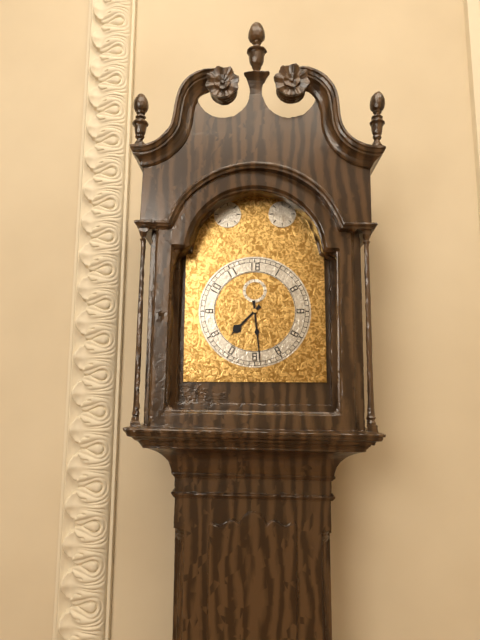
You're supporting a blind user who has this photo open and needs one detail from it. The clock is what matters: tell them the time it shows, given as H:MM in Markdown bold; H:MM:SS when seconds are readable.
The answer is **7:29**
